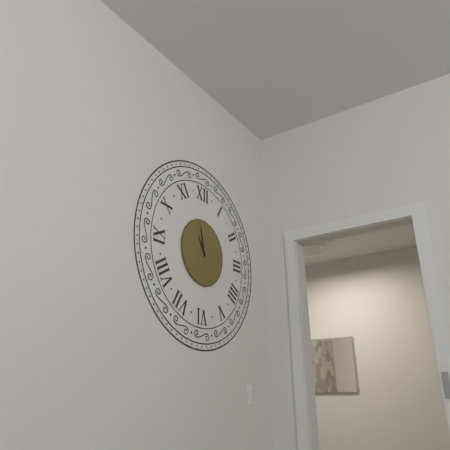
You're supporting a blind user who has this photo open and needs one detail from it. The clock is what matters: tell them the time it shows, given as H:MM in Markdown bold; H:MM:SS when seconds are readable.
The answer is **10:58**
